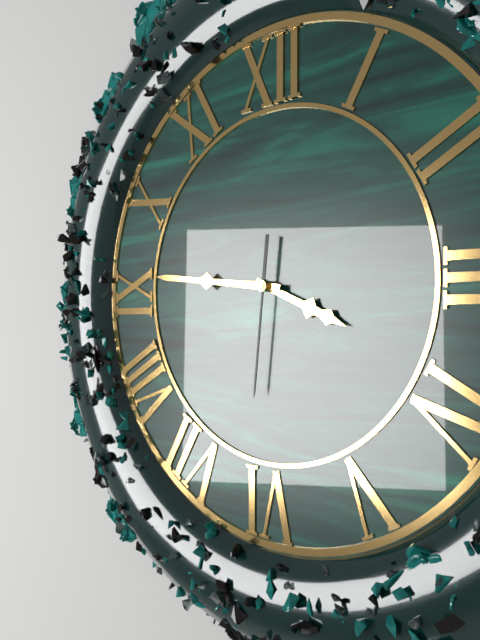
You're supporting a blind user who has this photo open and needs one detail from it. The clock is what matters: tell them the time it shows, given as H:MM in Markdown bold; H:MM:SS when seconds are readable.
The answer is **3:46:31**
